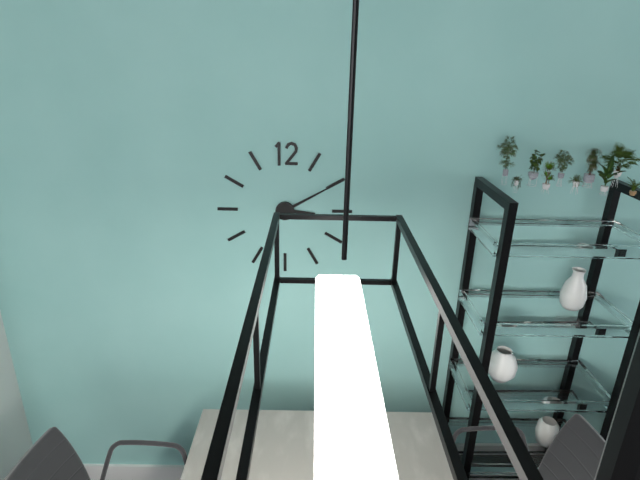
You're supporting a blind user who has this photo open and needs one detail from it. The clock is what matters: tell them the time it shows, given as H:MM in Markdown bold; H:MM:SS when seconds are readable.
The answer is **3:10**
